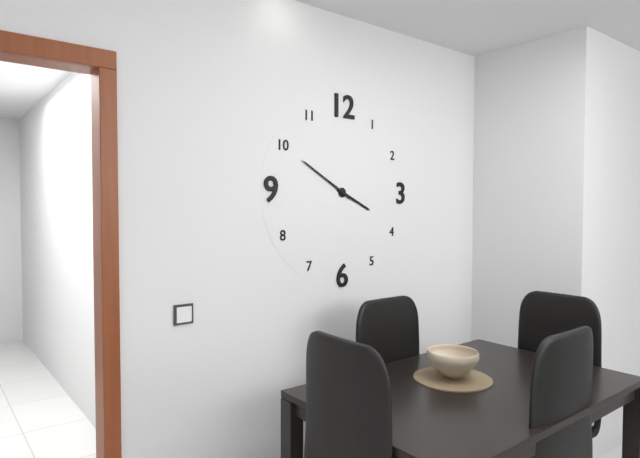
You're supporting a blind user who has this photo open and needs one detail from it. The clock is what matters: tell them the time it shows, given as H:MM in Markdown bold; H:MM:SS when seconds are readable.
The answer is **3:50**
